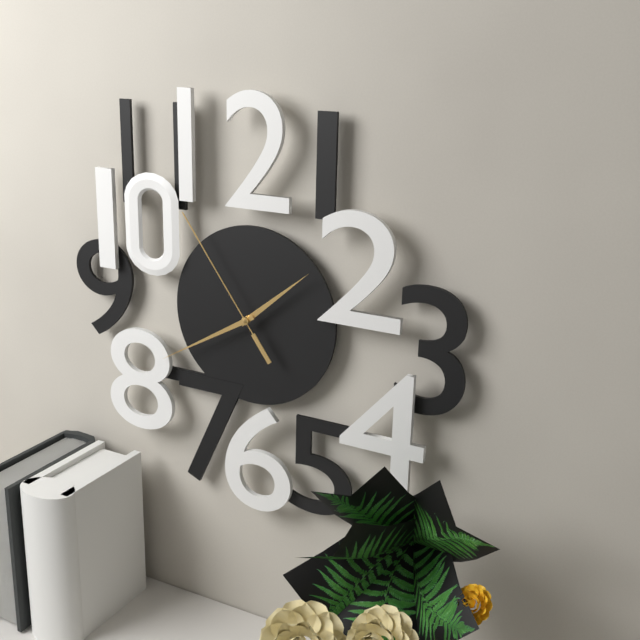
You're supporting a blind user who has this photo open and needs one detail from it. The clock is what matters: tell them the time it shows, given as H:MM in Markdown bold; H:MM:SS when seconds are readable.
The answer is **1:40:54**
